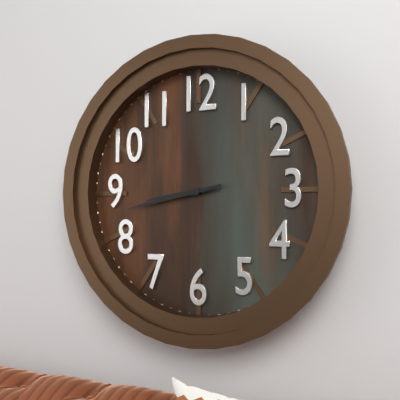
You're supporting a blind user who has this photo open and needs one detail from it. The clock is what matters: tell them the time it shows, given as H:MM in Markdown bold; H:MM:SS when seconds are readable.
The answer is **8:43**
